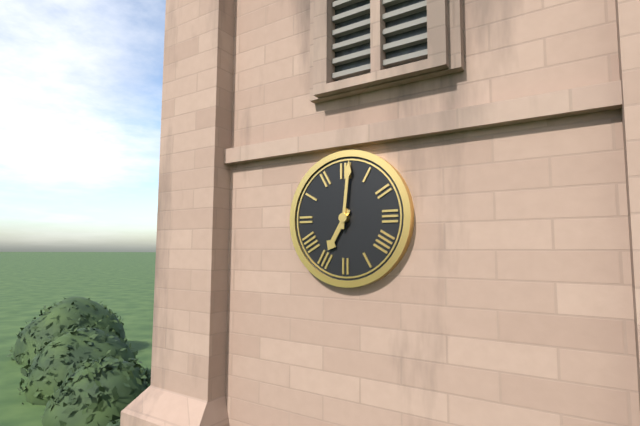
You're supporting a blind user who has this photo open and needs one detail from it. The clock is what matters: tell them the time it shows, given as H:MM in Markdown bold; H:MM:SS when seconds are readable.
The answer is **7:01**
